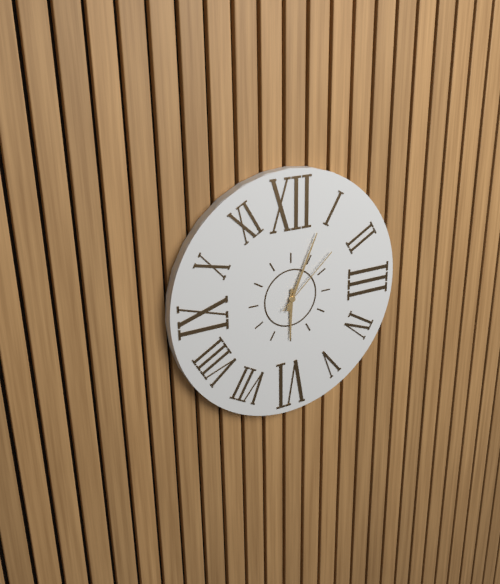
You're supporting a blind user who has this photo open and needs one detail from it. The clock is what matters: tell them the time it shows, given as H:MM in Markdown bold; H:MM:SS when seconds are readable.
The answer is **6:04:08**
